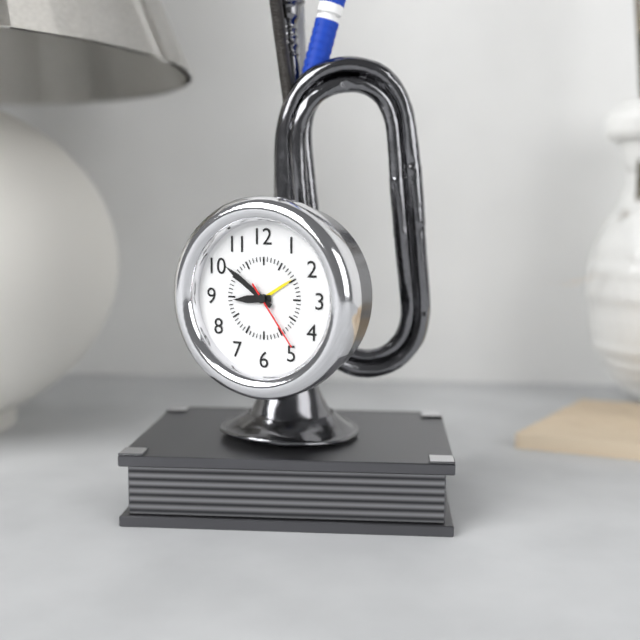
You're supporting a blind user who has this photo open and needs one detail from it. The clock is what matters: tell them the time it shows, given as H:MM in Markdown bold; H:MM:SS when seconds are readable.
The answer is **8:51:24**
